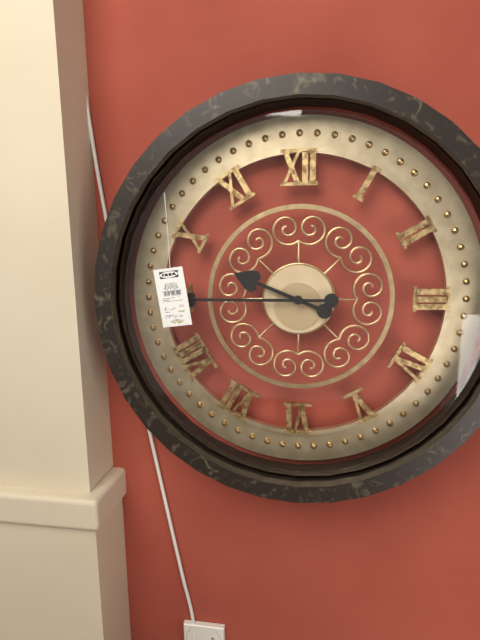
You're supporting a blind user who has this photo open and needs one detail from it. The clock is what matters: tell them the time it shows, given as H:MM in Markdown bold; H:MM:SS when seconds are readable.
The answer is **9:45**
